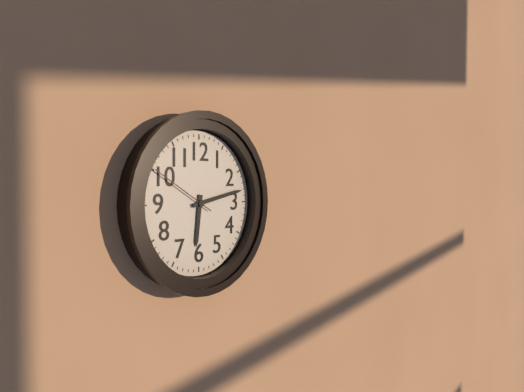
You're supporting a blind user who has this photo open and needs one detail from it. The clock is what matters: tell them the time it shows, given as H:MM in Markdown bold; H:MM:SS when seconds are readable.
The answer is **6:13:50**
